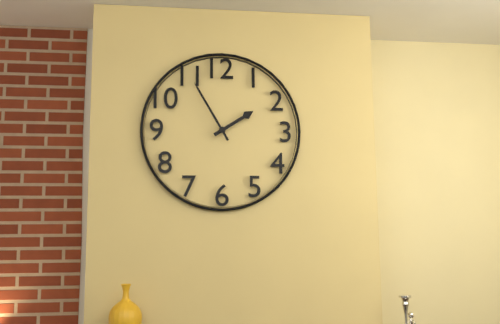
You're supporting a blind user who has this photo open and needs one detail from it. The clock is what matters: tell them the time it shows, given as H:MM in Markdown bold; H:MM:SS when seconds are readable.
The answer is **1:55**
